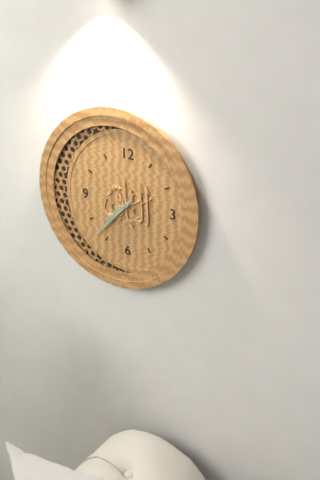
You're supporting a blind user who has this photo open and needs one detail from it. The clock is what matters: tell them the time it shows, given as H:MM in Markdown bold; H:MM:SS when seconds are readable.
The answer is **7:37**
